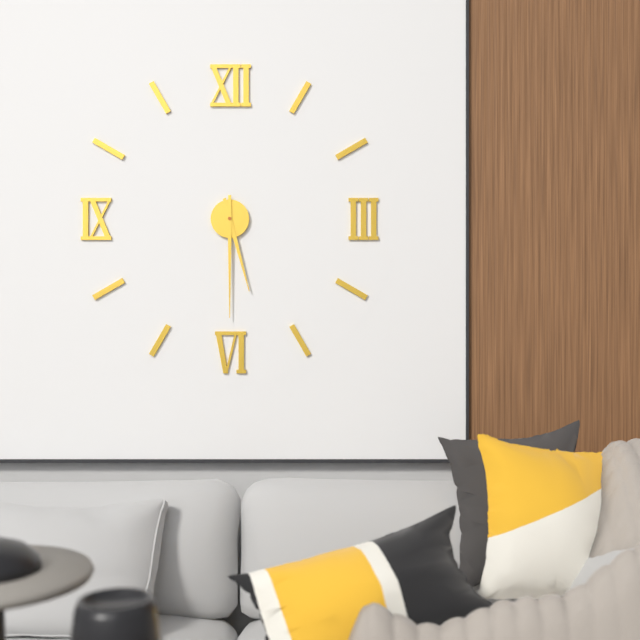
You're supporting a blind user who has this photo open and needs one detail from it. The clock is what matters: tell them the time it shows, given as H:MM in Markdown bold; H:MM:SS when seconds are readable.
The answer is **5:30**
